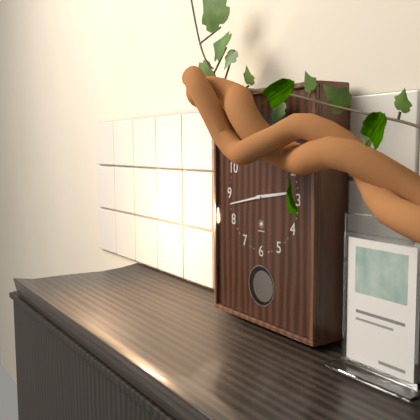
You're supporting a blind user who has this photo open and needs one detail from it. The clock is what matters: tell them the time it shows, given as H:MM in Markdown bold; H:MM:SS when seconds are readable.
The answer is **2:43**
